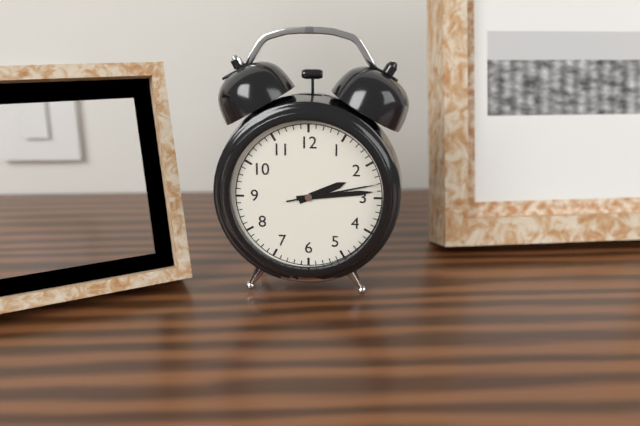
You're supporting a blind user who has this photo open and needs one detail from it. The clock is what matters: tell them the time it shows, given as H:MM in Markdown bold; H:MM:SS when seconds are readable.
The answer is **2:14:13**
